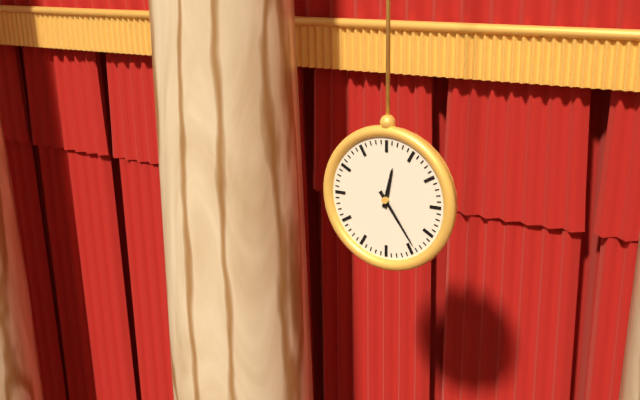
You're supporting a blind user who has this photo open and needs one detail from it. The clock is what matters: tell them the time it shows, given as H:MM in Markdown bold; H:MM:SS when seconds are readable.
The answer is **12:24**
